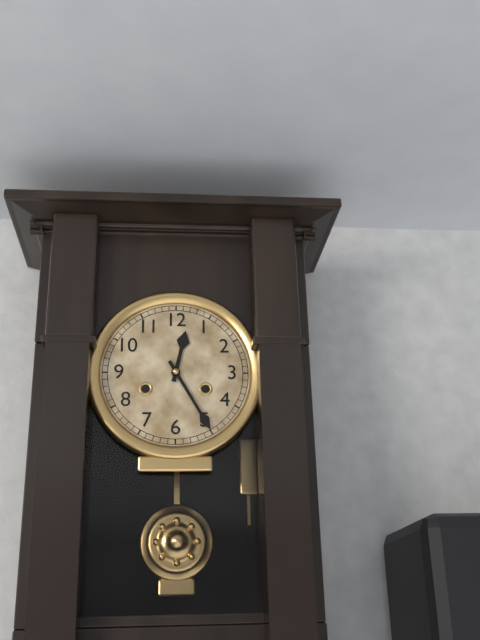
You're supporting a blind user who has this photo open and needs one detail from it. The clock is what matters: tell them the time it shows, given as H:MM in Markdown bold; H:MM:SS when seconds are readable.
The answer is **12:25**
